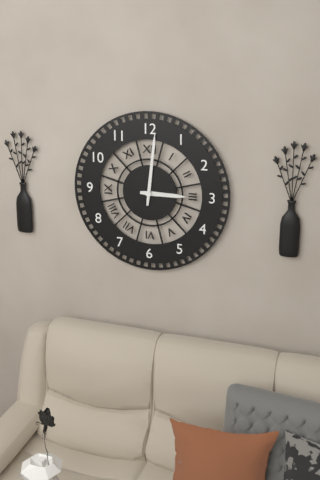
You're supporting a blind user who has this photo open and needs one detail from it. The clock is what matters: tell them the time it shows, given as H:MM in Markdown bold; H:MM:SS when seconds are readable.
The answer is **3:01**
